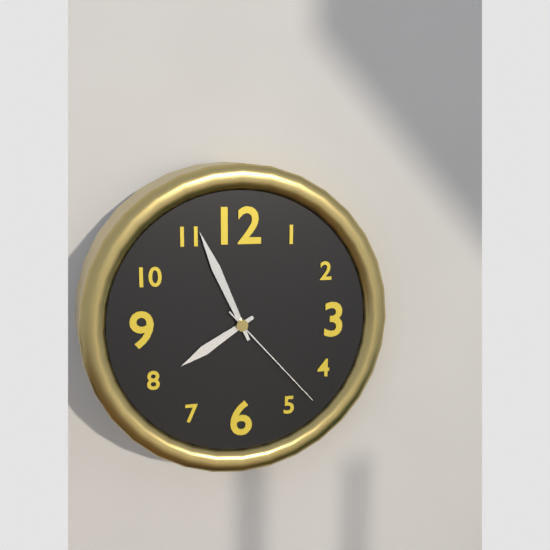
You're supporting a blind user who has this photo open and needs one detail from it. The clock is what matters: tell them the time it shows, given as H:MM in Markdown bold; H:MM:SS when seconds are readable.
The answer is **7:56:23**
